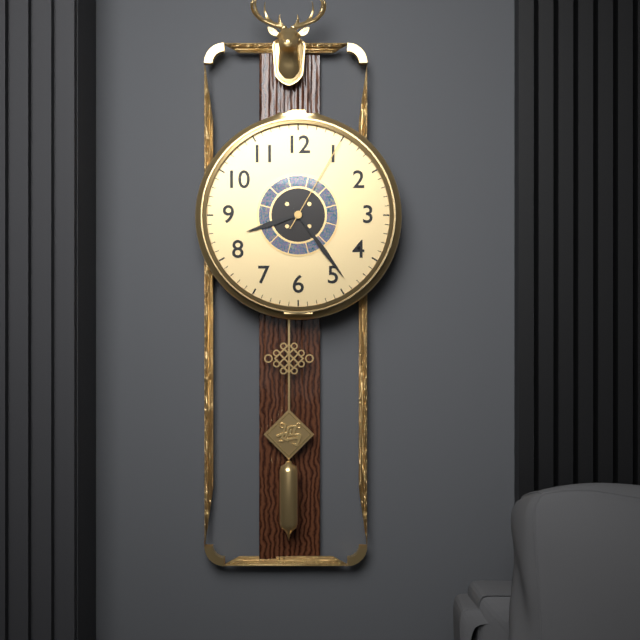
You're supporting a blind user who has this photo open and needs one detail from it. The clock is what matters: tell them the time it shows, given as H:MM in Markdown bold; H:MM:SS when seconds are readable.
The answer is **8:24:05**
